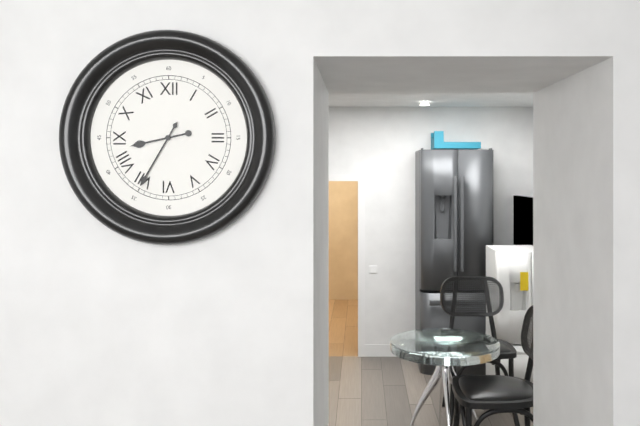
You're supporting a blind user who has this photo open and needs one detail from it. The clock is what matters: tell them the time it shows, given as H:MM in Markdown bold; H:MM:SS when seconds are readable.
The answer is **8:35**
